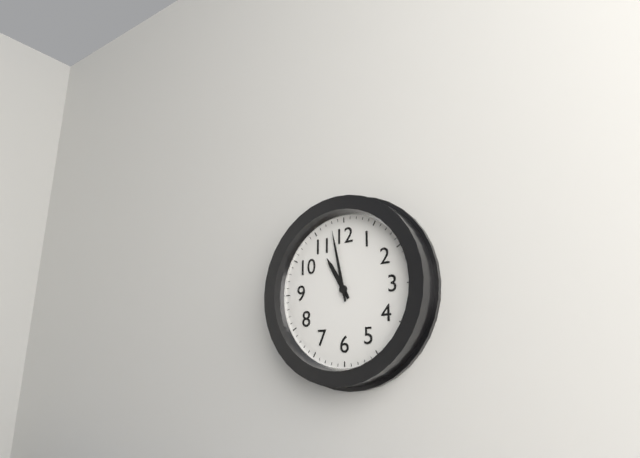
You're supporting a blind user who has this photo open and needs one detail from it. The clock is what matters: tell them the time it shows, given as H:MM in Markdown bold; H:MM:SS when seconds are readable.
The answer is **10:58**
